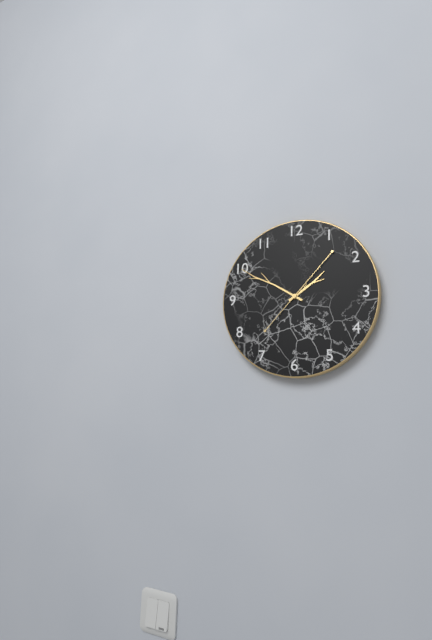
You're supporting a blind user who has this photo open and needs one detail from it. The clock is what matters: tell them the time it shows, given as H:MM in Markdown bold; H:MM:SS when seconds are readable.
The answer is **1:50:07**
